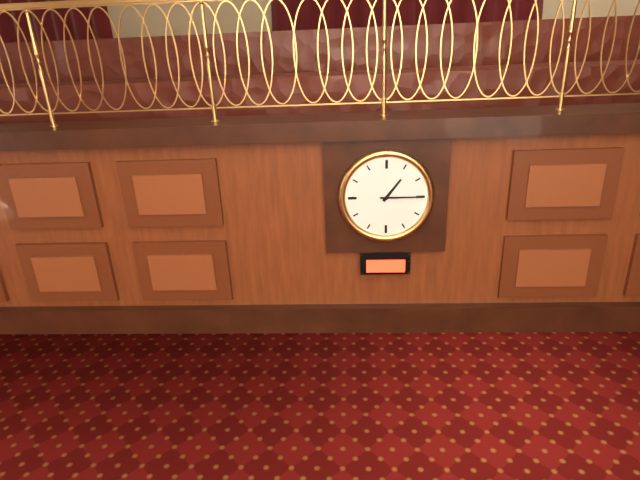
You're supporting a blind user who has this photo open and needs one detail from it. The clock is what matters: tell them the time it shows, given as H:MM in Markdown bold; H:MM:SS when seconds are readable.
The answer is **1:15**
